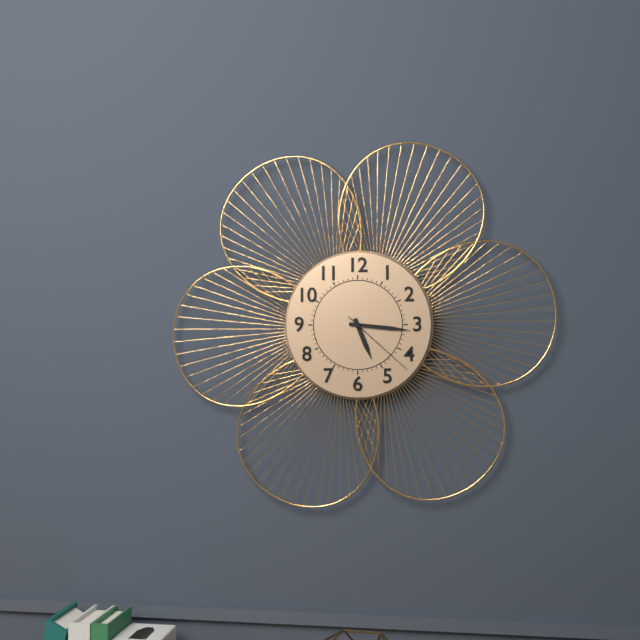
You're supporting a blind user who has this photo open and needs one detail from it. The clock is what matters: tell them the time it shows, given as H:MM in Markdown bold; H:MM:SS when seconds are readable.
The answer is **5:16:22**
